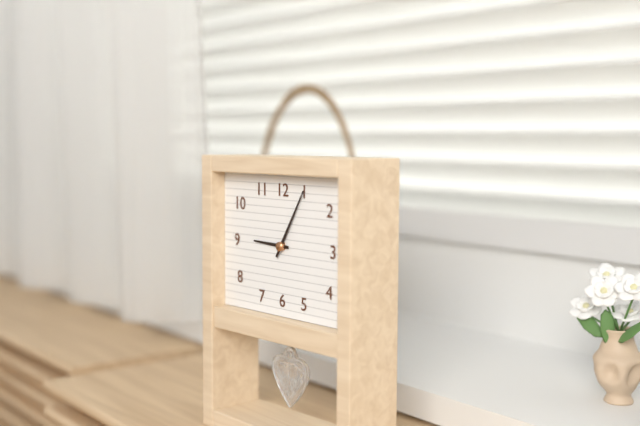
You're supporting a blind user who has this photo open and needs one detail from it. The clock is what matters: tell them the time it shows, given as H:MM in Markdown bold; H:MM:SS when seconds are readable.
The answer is **9:05**
